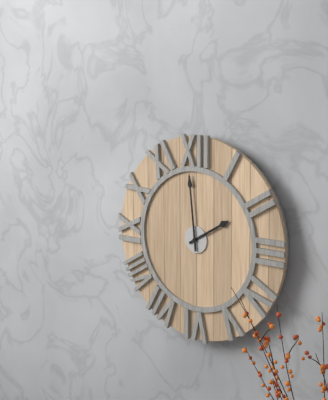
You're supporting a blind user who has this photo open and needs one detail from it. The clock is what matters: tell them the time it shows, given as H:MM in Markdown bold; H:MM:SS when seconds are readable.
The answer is **1:59**
